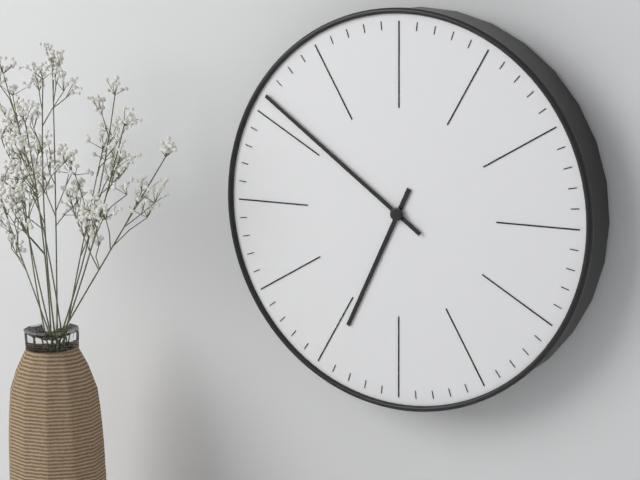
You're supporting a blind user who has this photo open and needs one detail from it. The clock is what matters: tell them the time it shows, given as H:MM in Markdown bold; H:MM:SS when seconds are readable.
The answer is **6:51**
